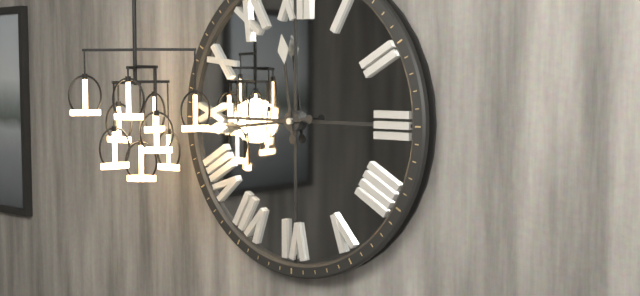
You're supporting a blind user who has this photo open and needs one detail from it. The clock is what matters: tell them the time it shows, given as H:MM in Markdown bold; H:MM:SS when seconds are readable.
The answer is **11:44**
